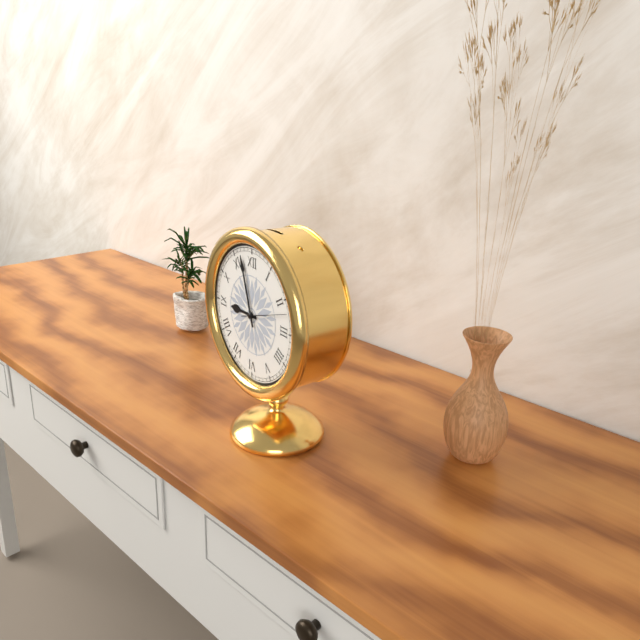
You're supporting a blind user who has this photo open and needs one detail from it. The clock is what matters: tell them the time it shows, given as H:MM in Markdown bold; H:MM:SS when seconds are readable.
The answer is **8:57**
